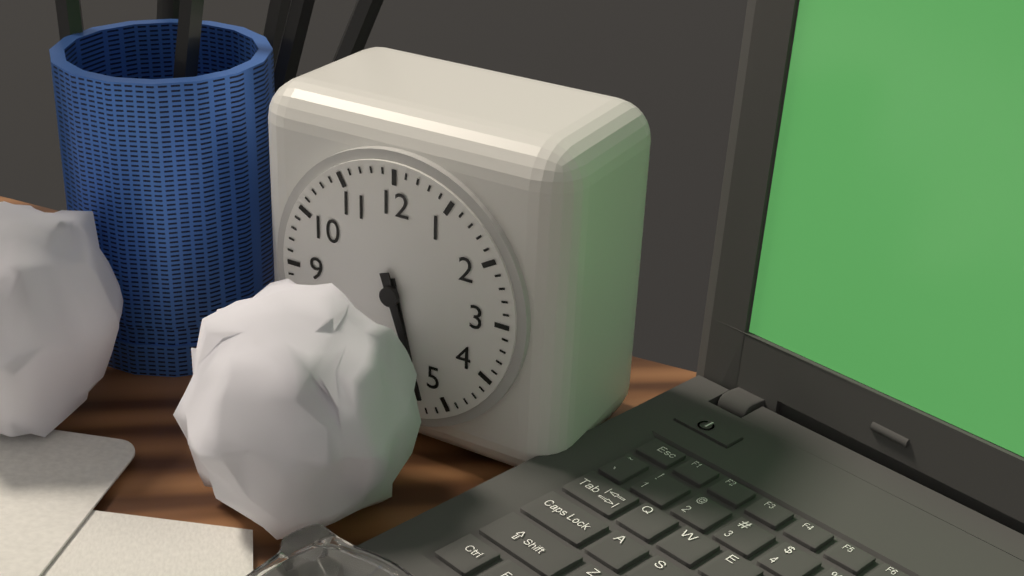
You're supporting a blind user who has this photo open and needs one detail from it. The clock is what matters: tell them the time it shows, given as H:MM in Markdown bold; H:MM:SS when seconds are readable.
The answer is **5:27**
